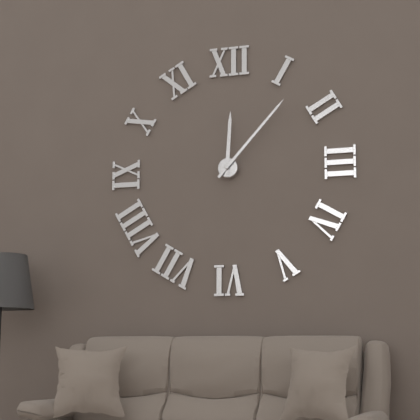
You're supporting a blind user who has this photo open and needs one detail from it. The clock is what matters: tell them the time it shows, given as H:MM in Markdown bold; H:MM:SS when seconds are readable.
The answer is **12:07**
